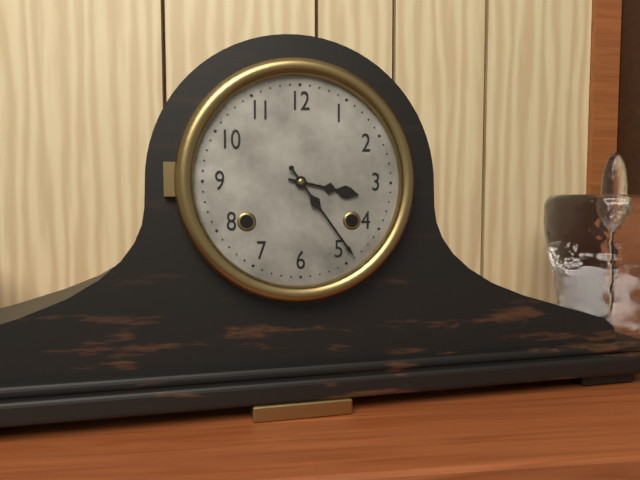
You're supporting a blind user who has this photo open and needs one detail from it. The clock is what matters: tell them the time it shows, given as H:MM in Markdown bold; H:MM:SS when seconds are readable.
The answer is **3:24**
